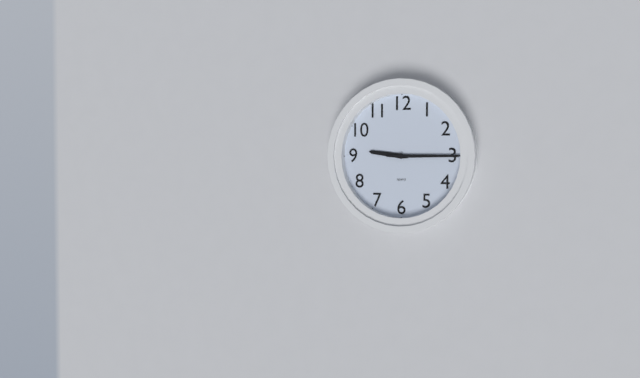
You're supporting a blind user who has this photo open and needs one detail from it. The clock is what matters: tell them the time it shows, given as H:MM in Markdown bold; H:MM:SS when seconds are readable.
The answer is **9:15**
